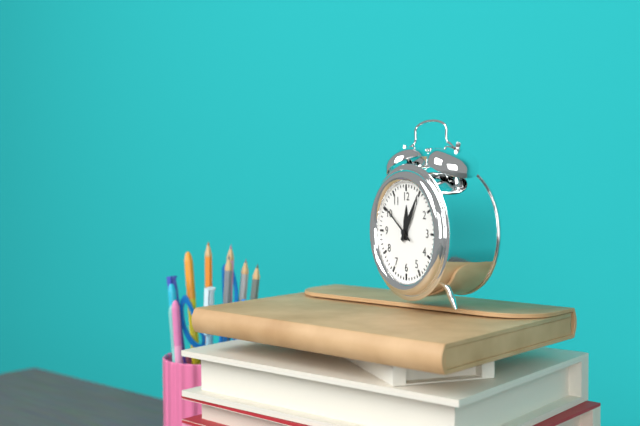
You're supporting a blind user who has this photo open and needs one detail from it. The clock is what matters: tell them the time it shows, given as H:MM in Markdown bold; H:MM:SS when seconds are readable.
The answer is **12:05**
